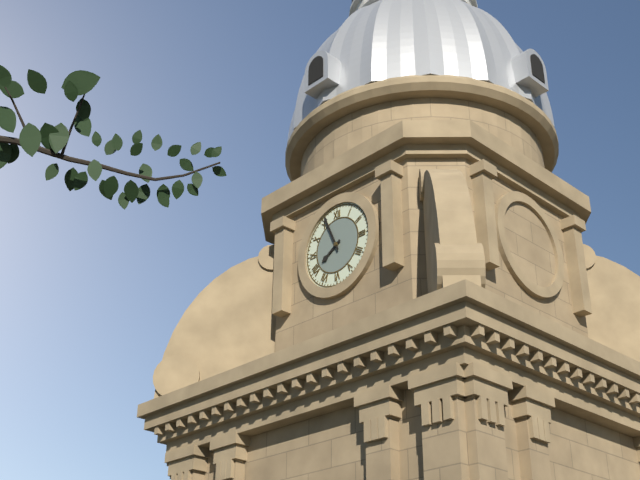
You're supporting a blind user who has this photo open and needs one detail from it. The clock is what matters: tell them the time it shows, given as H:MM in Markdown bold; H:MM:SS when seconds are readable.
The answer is **7:56**
